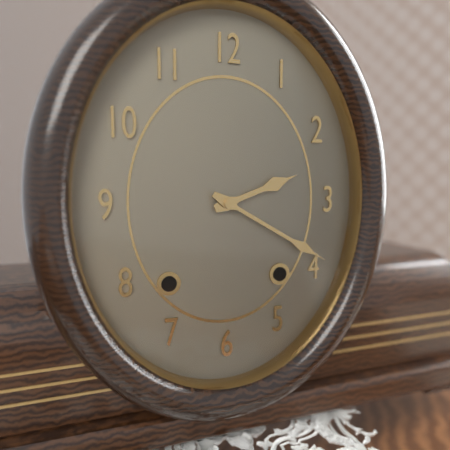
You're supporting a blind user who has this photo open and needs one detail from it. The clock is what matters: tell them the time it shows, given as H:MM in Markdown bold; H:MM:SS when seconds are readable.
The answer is **2:20**
